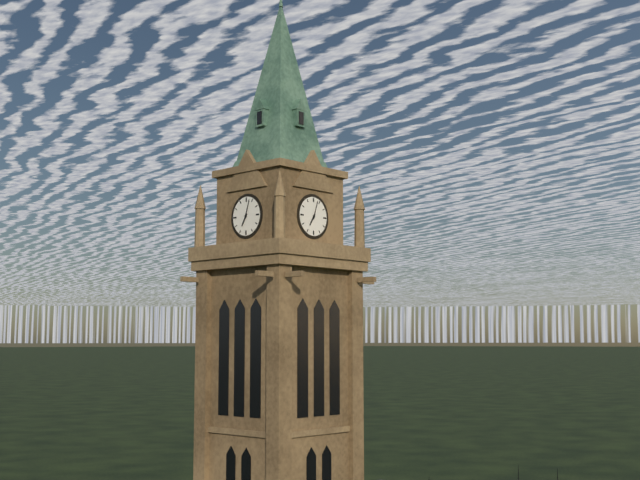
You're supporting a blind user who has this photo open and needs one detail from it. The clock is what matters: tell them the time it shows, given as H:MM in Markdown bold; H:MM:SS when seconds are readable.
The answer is **7:03**
